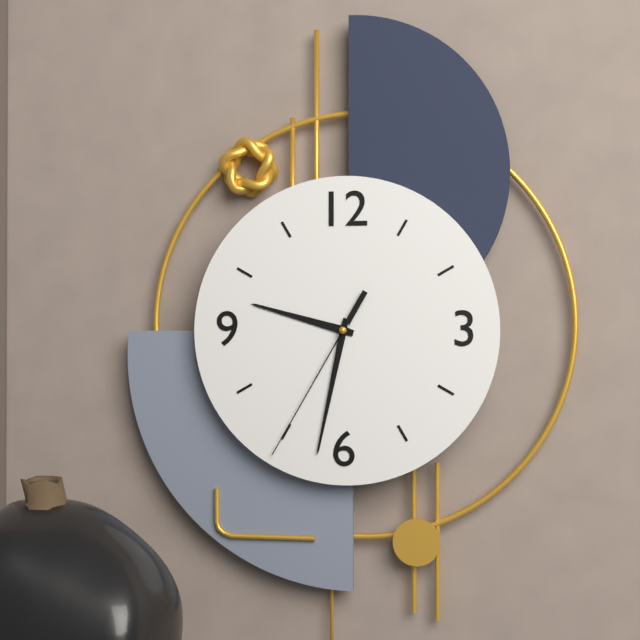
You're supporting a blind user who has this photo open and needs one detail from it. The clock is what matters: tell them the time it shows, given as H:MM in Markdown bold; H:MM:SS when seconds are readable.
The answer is **9:32:35**
